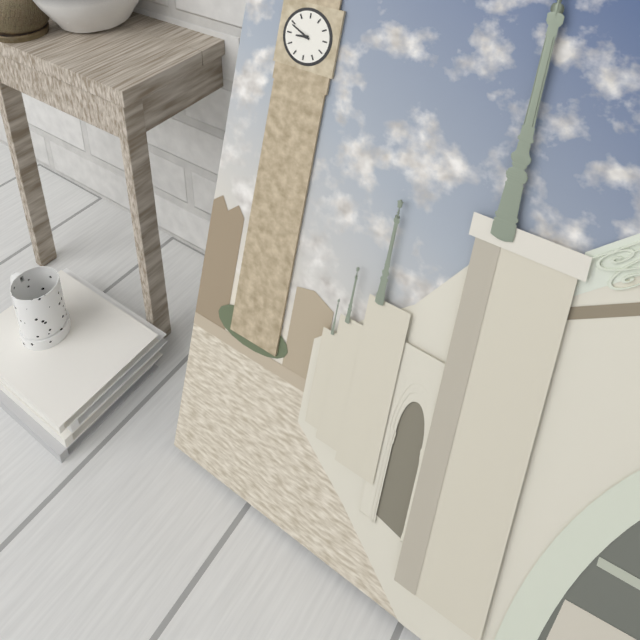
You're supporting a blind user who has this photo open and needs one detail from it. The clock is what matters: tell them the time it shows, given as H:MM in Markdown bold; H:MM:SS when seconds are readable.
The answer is **8:49**
